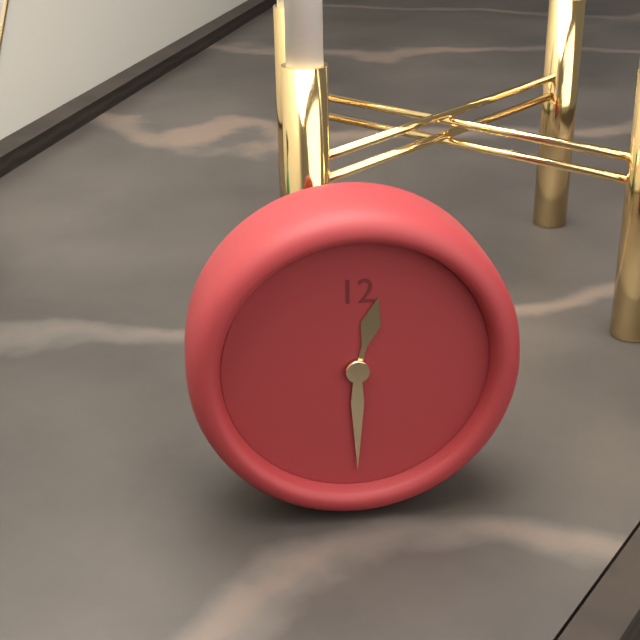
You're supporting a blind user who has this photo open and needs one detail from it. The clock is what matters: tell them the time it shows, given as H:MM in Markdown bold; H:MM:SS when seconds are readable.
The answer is **12:30**
